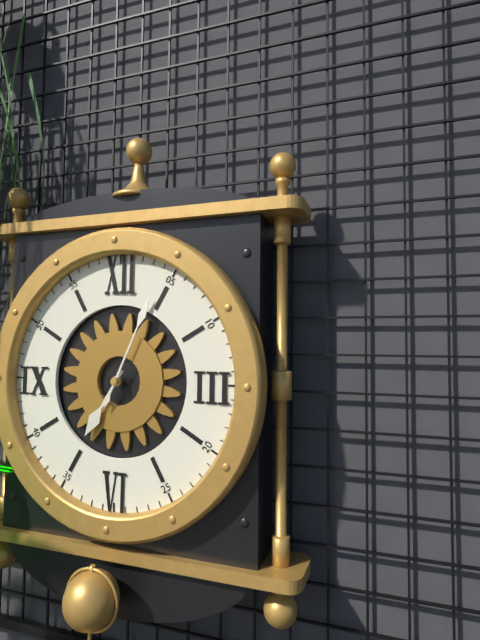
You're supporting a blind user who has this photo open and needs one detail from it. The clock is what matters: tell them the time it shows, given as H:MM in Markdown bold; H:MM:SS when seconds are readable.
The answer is **7:04**
